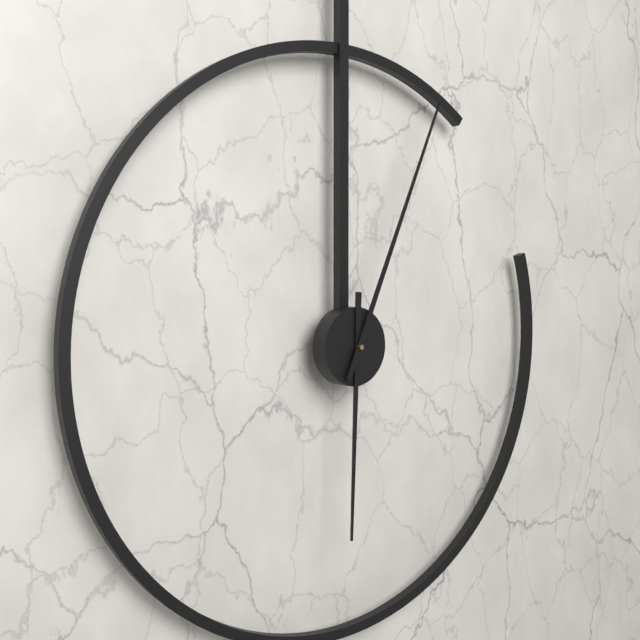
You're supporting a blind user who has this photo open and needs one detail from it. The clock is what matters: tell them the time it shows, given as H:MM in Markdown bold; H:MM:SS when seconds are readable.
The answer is **6:04**
